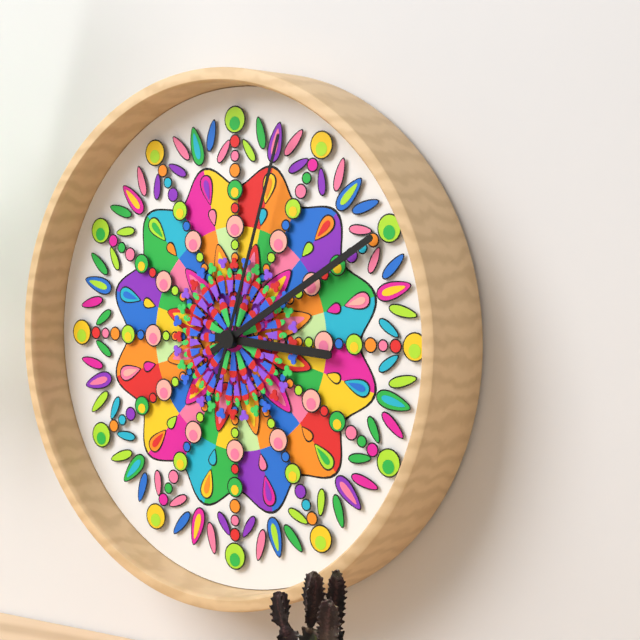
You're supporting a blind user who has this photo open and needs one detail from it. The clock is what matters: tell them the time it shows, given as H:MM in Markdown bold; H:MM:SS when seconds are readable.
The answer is **3:10:03**
